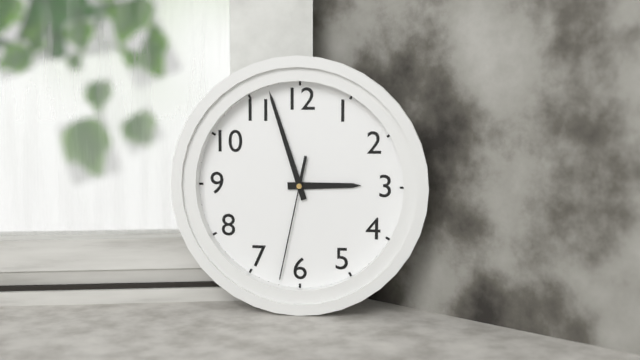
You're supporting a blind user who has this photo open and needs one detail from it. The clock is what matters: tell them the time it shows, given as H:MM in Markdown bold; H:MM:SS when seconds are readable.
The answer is **2:57:32**
